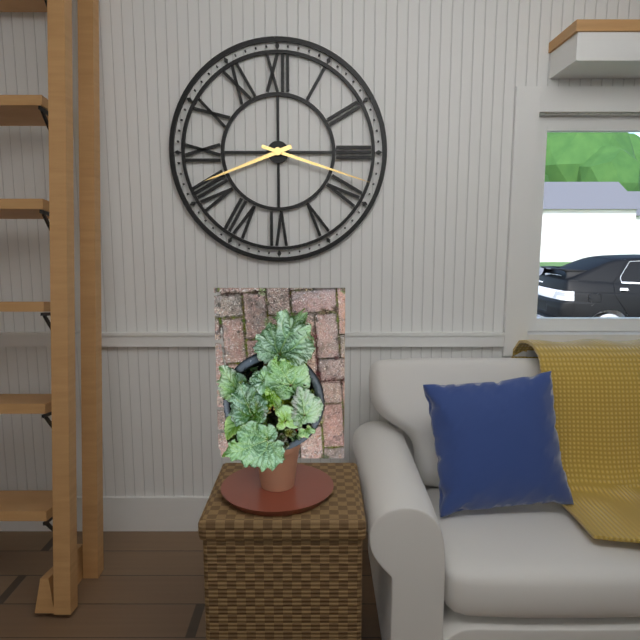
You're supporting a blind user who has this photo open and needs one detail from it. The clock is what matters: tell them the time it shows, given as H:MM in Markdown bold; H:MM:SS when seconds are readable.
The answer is **8:18**
